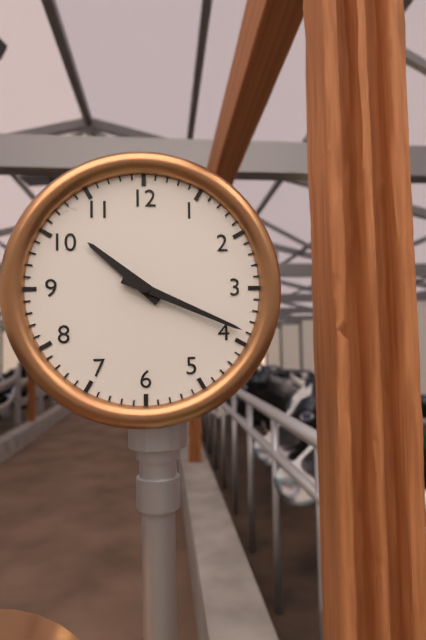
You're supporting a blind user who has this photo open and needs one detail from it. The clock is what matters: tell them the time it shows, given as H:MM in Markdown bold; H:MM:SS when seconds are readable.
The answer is **10:19**
